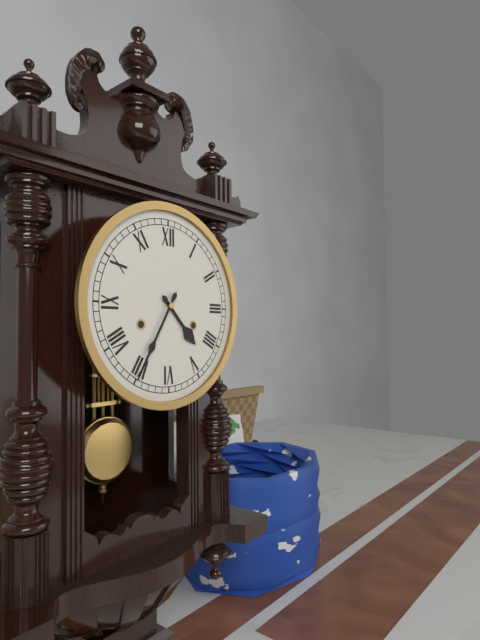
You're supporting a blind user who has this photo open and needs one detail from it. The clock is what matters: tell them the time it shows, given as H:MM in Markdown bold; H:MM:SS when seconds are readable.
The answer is **4:35**
